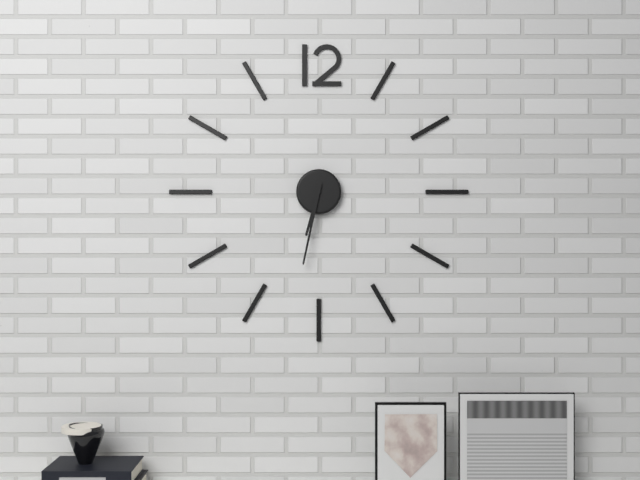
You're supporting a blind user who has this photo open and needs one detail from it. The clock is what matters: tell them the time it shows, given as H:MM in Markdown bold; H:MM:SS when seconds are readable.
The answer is **6:32**
